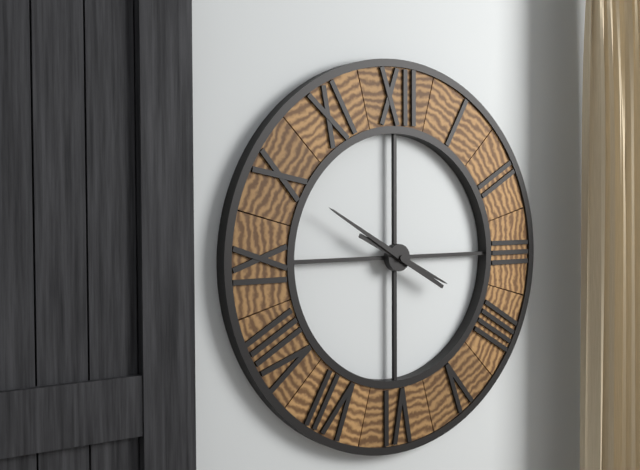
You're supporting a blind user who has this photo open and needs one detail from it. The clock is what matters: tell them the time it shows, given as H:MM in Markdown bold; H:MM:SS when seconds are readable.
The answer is **3:50**
